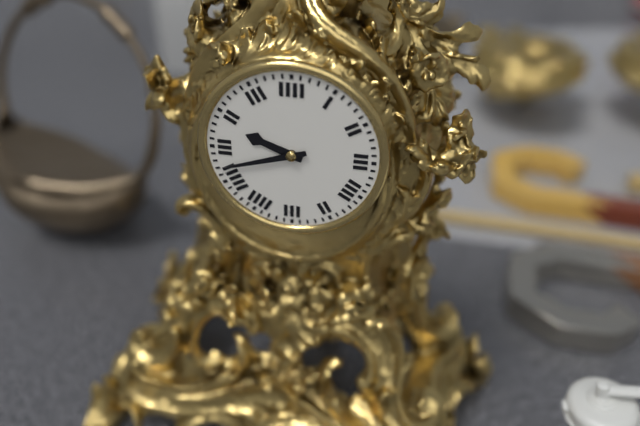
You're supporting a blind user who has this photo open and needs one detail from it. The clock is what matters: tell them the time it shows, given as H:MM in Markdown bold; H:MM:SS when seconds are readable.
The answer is **9:42**
